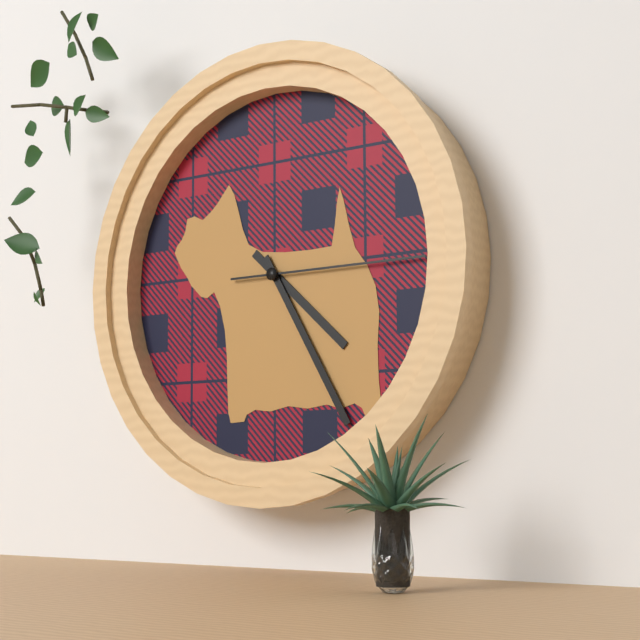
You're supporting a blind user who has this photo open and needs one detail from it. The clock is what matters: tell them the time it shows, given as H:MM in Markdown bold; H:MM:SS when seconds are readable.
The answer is **4:25:15**
